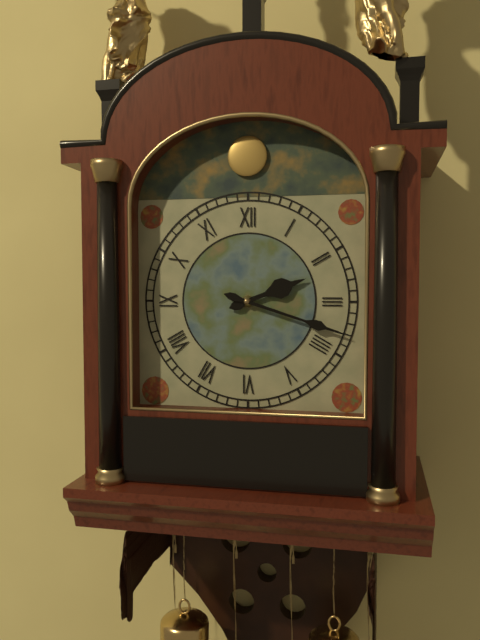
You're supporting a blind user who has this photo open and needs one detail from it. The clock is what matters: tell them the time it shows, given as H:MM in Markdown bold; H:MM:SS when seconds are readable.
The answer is **2:18**
